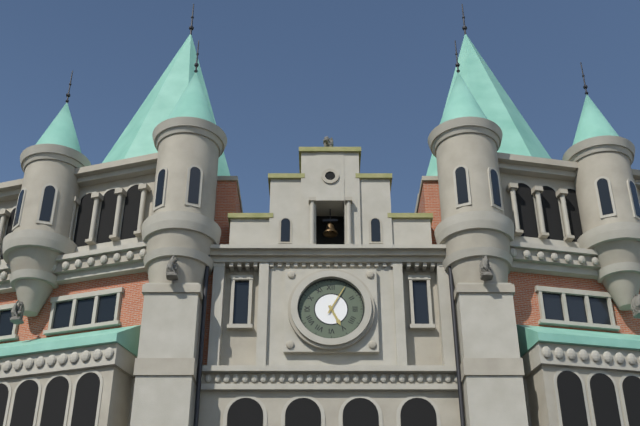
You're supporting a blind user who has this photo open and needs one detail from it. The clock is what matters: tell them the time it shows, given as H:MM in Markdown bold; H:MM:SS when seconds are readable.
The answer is **5:05**
